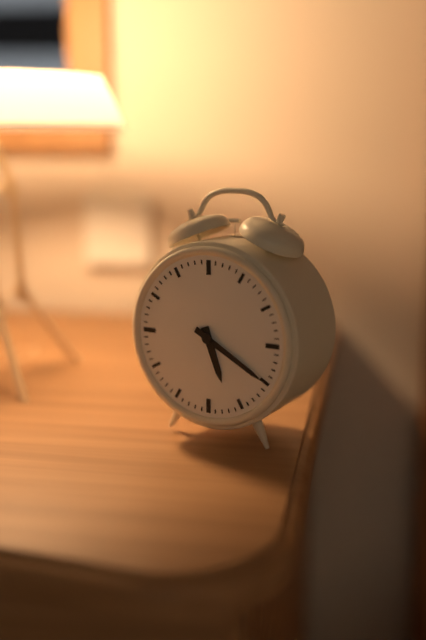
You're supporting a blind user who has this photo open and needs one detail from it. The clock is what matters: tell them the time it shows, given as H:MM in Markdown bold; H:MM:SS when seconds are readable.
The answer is **5:20**
